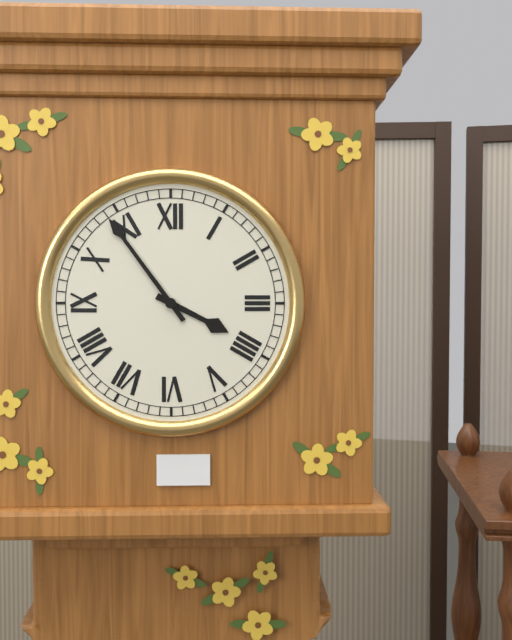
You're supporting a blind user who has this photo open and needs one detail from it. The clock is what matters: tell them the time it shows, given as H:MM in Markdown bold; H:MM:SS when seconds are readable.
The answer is **3:54**
